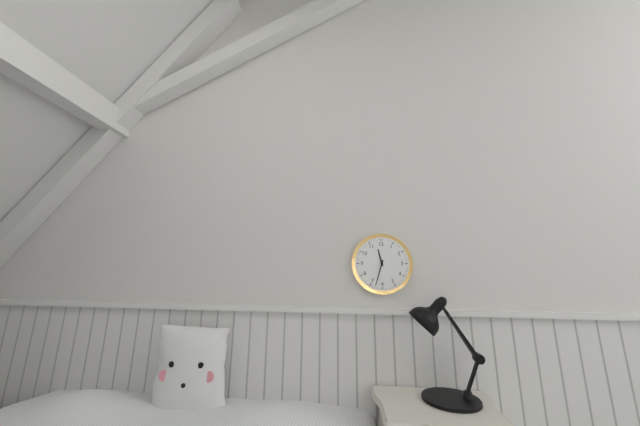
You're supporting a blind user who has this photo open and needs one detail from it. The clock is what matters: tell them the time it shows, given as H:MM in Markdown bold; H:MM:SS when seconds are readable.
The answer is **11:33**
